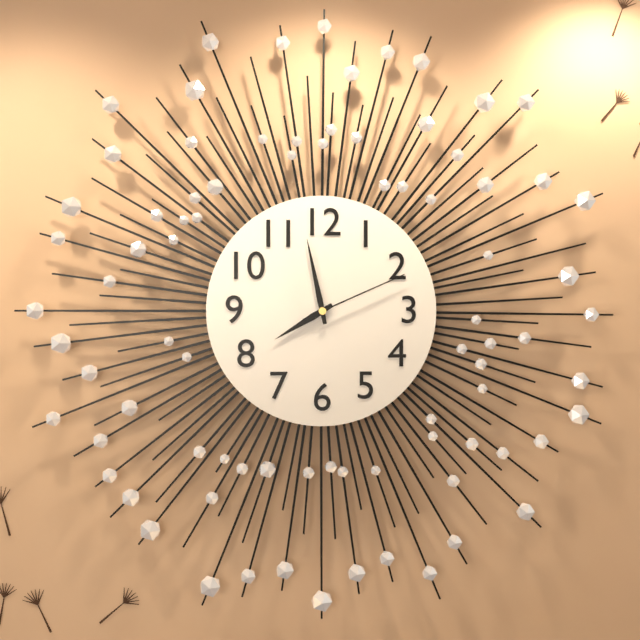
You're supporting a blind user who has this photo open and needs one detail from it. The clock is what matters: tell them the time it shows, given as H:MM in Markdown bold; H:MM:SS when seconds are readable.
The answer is **7:58:11**
